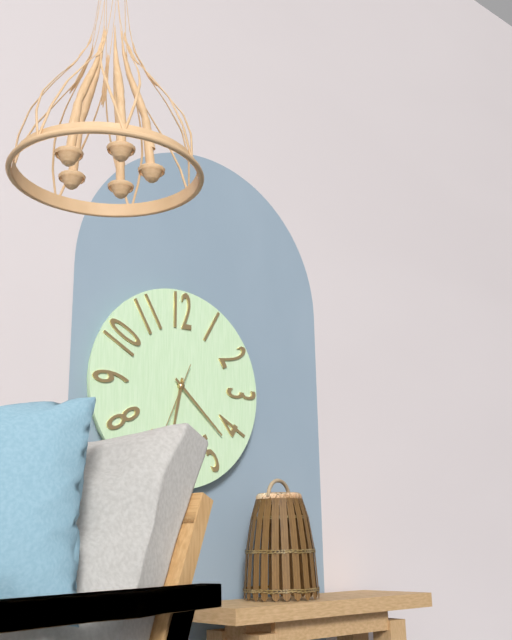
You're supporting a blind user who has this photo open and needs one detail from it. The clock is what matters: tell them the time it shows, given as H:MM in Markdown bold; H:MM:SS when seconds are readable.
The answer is **6:22:34**
